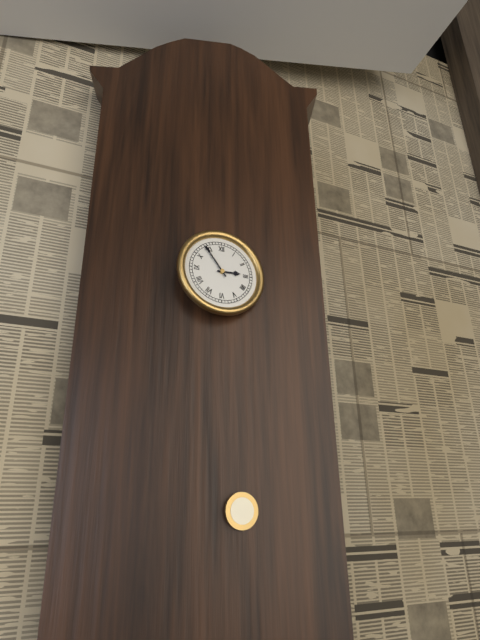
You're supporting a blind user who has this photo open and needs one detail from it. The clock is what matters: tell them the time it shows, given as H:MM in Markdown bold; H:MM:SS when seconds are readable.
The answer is **2:54**
